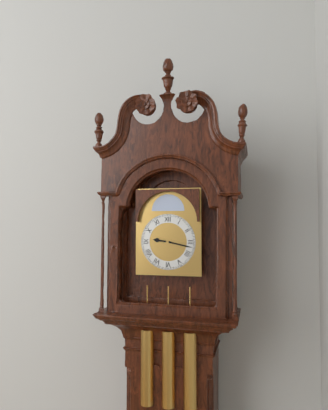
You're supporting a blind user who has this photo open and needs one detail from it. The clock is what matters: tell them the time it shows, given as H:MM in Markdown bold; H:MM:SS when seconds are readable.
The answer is **9:17**
